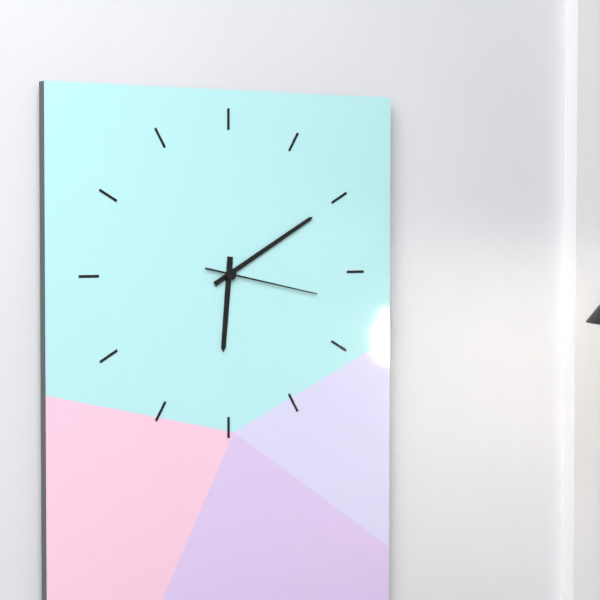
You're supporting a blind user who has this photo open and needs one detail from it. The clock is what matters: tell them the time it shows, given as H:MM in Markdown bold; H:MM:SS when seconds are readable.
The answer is **6:10:17**
